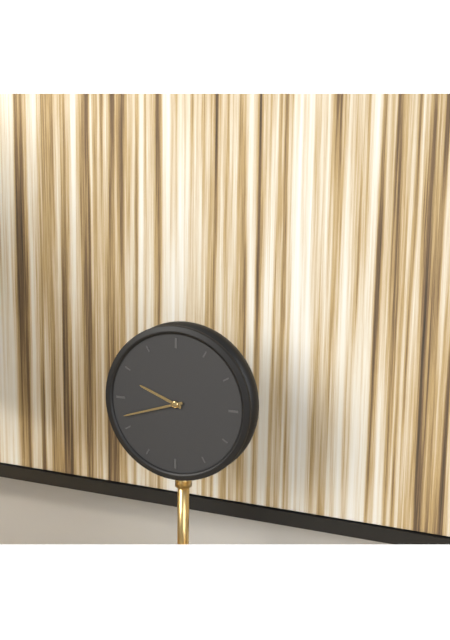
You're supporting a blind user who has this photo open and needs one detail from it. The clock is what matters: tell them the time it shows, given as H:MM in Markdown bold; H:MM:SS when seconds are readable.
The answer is **9:42**
